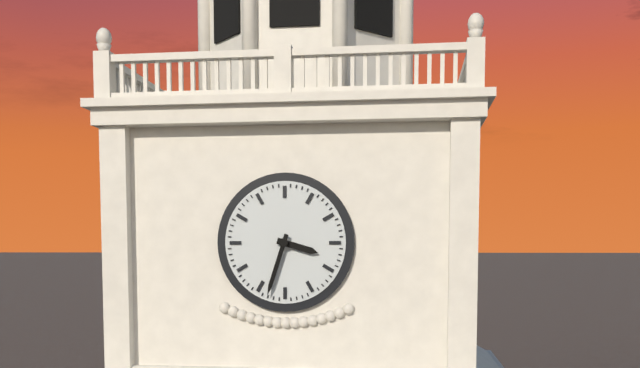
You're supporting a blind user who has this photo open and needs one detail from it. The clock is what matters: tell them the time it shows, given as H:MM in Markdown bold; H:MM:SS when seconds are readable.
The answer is **3:33**
